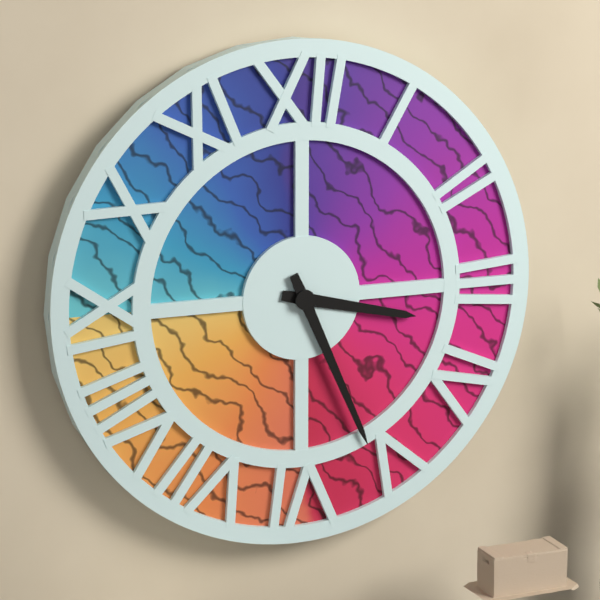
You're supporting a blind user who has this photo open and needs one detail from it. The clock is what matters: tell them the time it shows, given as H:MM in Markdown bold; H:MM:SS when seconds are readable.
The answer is **3:26**
